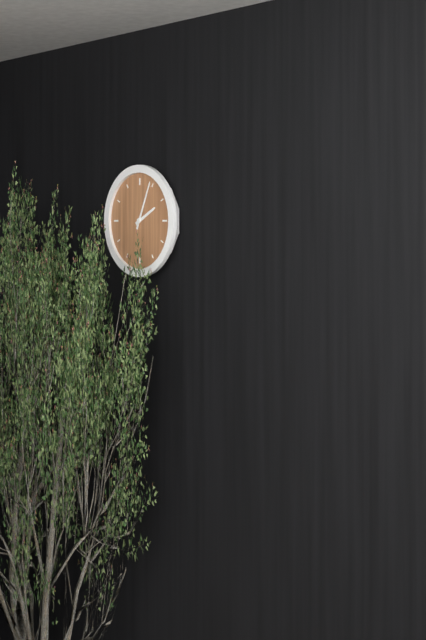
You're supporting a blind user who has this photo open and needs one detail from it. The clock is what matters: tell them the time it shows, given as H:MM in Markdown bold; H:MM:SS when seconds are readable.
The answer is **2:04**
